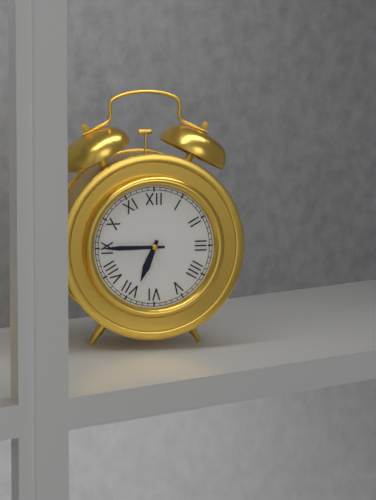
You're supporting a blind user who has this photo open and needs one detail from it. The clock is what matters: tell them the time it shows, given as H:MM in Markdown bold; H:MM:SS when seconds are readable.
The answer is **6:45**
